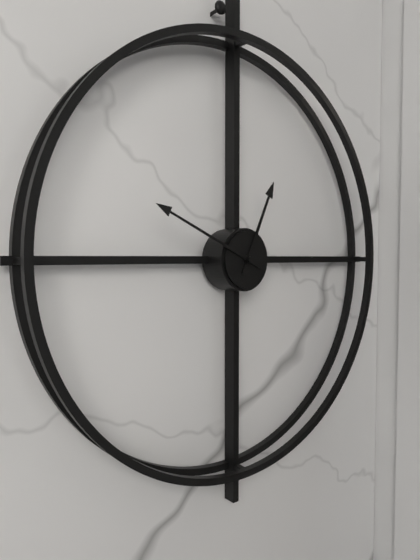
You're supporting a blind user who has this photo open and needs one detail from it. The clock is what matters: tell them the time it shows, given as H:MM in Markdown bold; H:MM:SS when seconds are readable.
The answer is **12:49**
